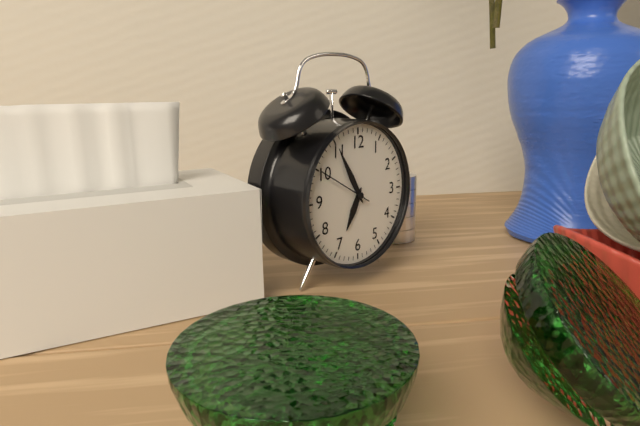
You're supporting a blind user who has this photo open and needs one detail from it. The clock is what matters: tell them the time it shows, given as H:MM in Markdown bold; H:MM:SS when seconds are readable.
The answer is **6:55:50**
